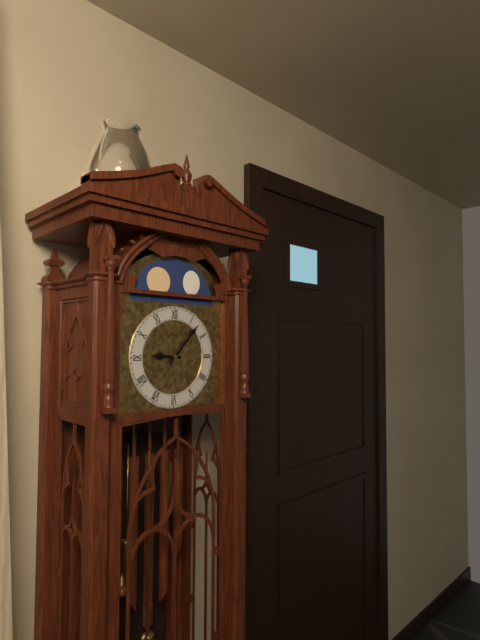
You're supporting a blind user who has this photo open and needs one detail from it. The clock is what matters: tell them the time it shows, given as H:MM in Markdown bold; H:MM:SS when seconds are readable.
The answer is **9:07**
